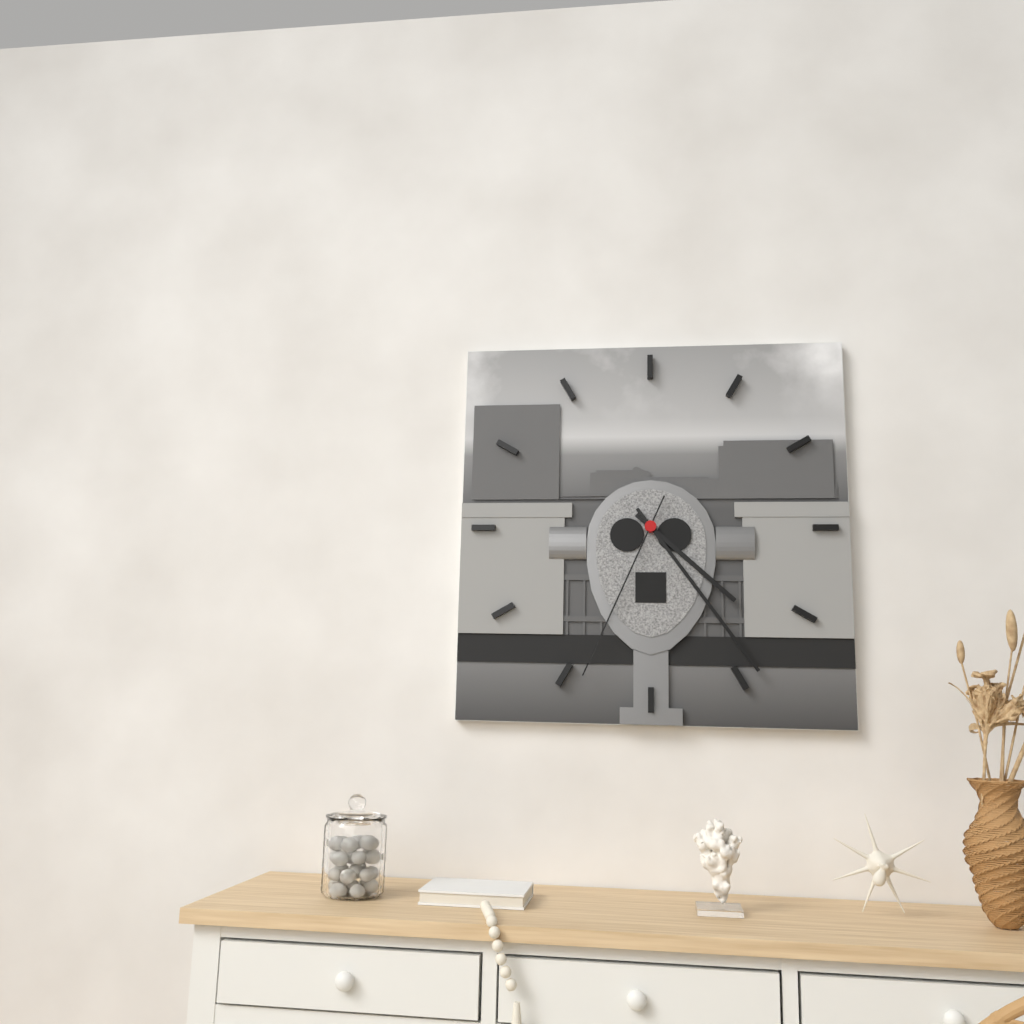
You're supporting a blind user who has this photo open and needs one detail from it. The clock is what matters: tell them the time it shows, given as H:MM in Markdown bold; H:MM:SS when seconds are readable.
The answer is **4:24:34**
